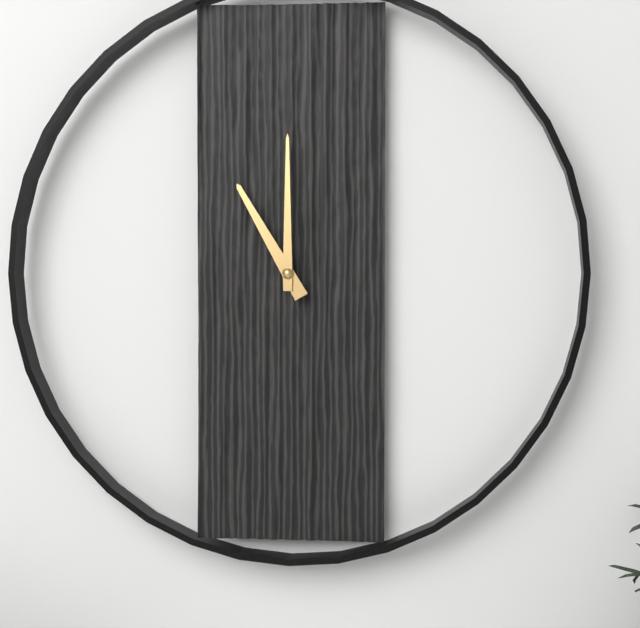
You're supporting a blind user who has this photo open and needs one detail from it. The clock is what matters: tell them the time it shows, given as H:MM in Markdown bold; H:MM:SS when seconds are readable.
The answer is **11:00**
